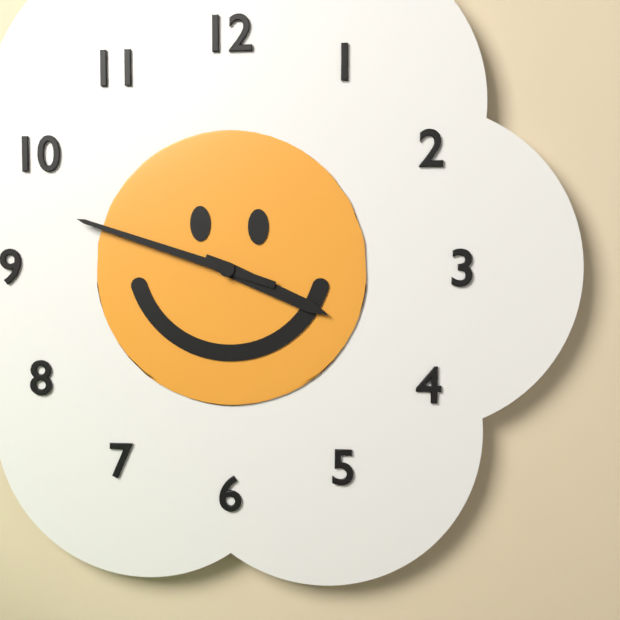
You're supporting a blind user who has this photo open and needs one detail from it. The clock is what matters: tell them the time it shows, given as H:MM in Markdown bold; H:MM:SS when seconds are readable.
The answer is **3:48**
